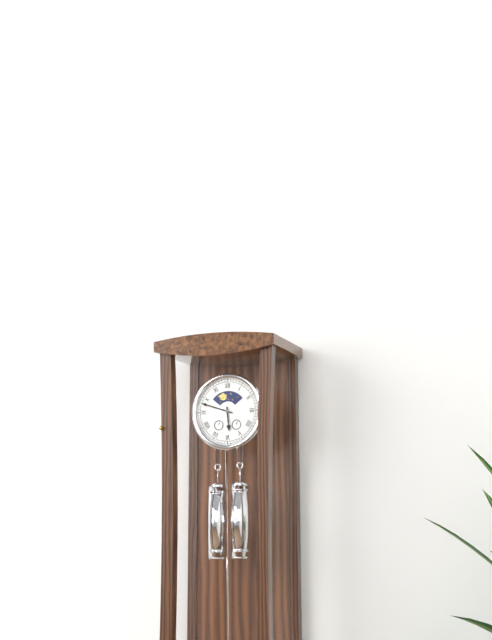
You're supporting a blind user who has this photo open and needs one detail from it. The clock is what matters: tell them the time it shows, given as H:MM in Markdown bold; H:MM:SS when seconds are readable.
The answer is **5:48**
